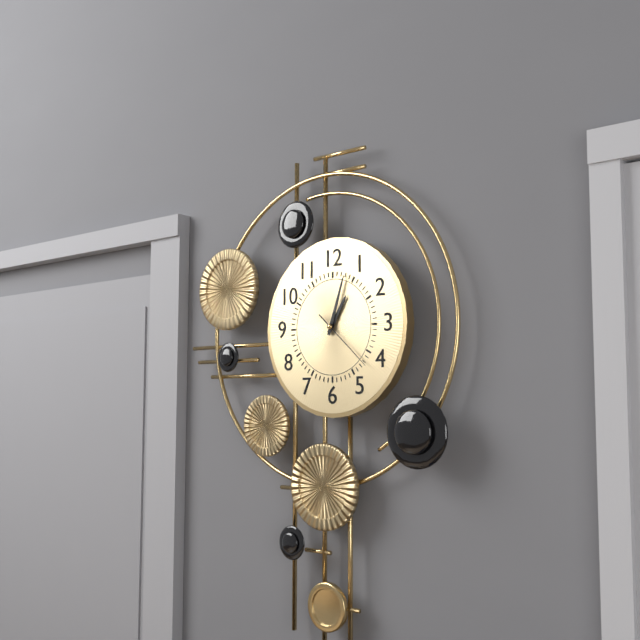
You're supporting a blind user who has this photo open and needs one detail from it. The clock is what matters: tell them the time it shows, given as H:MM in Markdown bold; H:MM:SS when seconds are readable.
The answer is **1:03**
